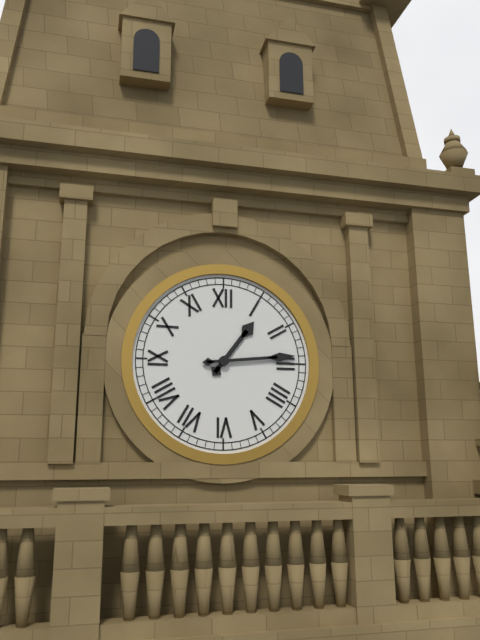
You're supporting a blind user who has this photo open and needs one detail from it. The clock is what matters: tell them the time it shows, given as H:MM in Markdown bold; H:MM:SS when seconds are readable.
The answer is **1:14**
